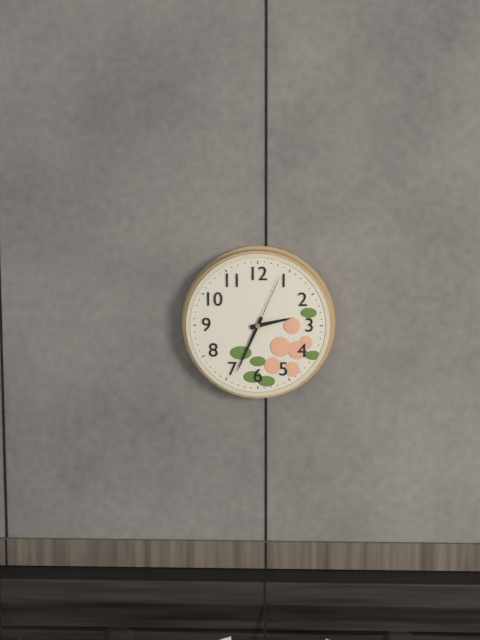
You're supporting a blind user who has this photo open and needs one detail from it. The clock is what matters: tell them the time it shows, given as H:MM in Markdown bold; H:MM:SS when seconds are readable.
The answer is **2:34:04**
